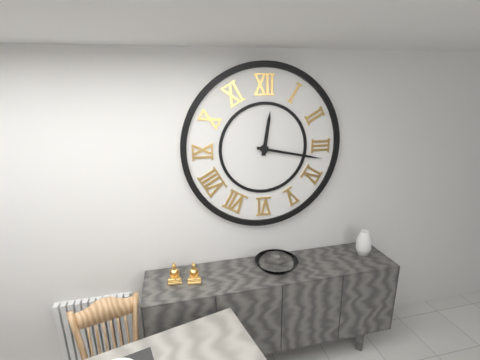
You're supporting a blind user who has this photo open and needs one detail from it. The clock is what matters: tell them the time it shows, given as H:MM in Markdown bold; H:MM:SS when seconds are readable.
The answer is **12:17**
